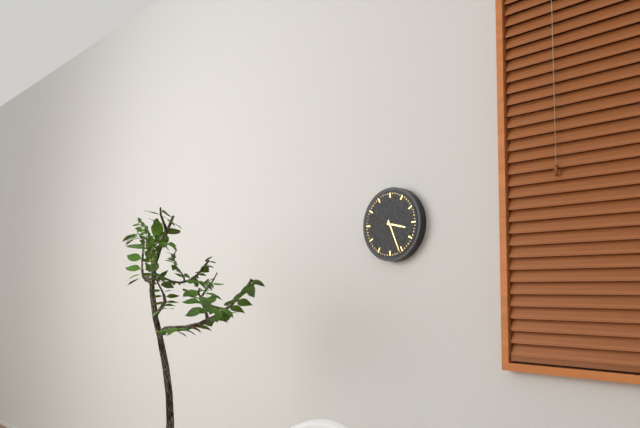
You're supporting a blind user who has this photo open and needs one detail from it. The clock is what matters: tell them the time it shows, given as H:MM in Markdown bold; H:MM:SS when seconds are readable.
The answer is **3:26**
